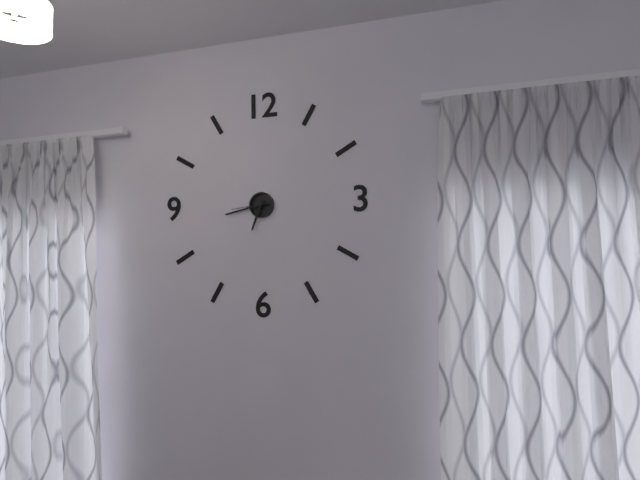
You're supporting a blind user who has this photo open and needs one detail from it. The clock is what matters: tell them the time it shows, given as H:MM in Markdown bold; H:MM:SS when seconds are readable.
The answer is **6:43**
